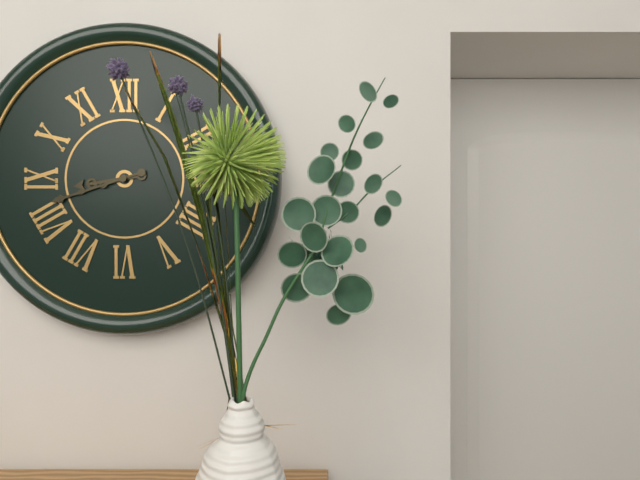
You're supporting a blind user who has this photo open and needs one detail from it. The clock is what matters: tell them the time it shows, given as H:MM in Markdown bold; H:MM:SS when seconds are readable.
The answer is **8:42**
